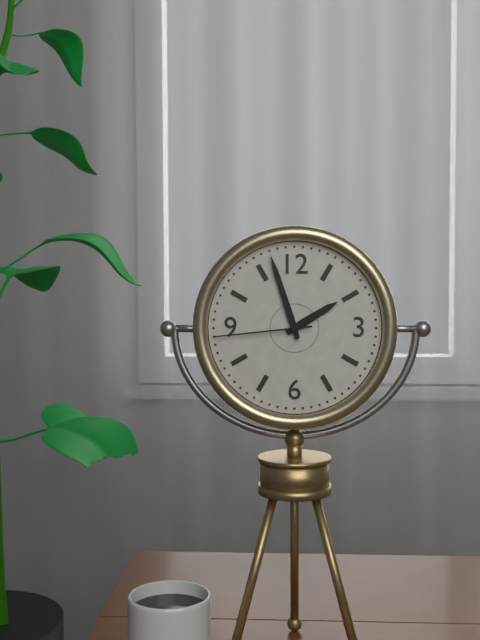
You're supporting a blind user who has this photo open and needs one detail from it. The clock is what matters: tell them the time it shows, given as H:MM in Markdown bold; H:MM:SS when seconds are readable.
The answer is **1:57:44**
